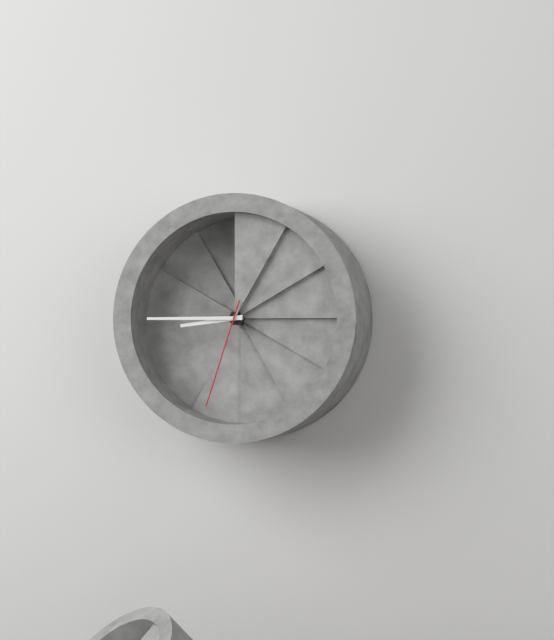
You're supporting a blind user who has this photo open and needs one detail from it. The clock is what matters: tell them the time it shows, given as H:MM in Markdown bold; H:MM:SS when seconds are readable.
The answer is **8:45:33**
